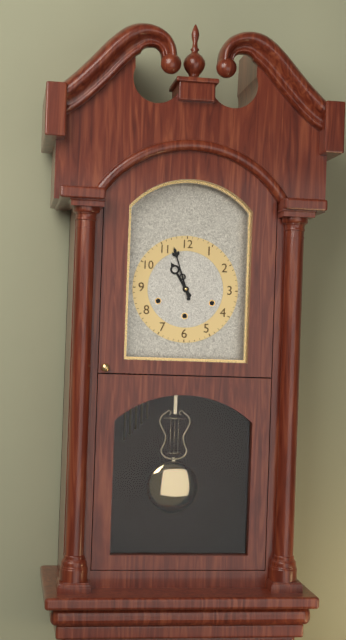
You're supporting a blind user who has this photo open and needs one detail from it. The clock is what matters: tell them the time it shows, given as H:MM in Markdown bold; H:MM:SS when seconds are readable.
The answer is **10:57**
